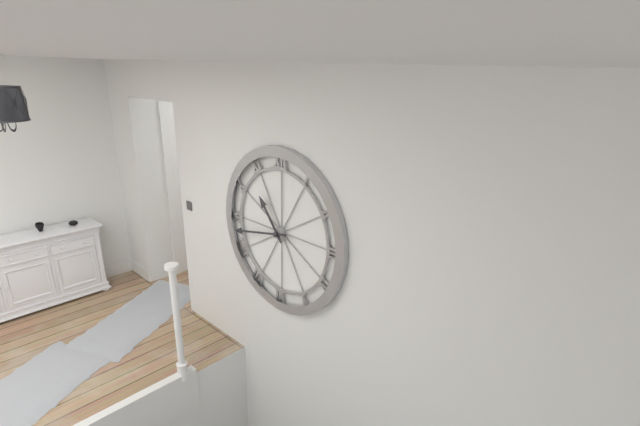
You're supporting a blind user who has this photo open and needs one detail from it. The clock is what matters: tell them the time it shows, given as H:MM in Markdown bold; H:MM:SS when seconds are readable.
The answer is **10:43**
